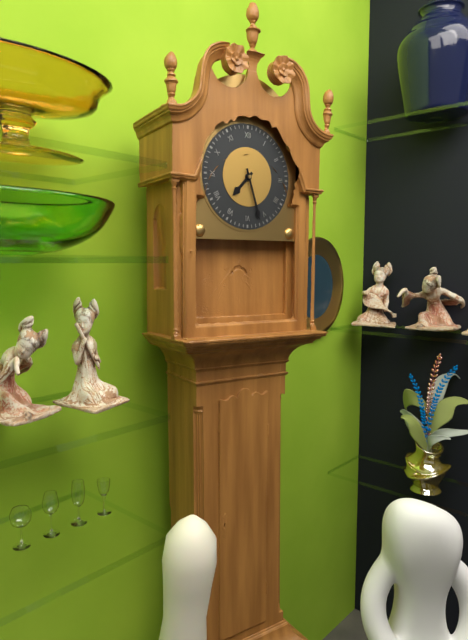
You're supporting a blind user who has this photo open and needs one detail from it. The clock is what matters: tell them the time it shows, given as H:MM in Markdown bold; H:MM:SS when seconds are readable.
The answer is **7:27**
